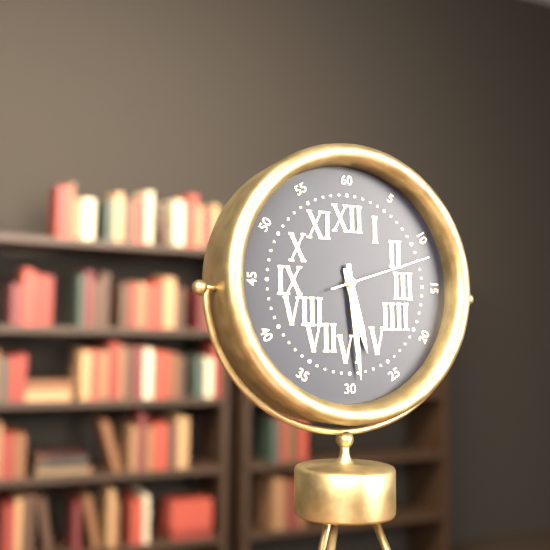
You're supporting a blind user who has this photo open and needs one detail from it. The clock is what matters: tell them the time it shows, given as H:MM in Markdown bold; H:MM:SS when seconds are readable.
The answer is **5:29:12**
